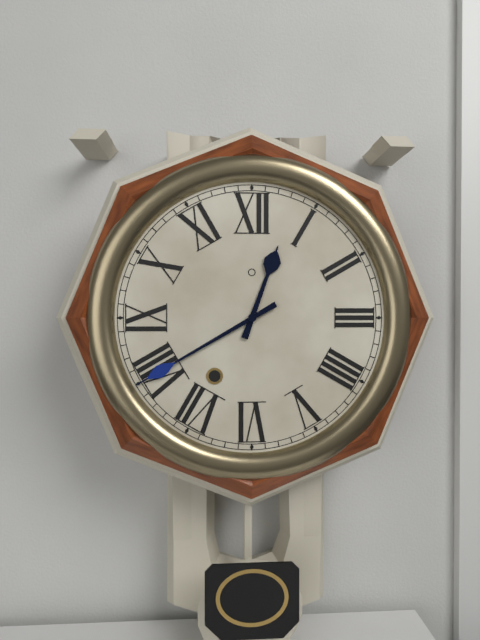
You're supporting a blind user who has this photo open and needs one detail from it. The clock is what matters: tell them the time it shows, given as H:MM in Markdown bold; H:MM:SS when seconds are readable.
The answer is **12:40**
